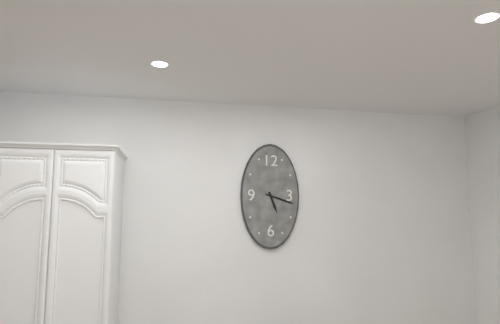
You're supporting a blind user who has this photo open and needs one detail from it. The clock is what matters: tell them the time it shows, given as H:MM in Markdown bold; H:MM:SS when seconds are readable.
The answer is **5:18**
